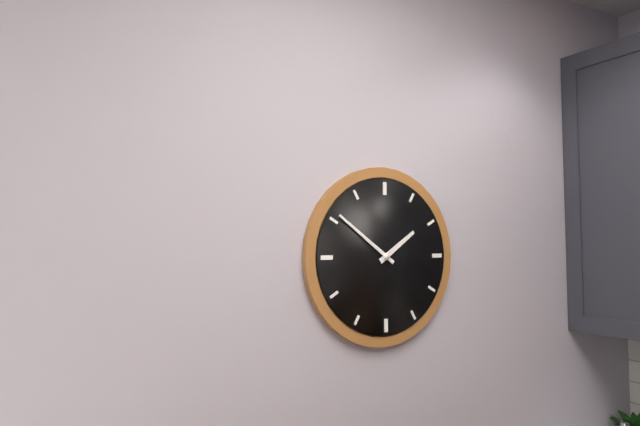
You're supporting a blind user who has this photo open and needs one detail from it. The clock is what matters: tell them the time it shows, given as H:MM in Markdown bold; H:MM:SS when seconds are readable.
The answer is **1:51**
